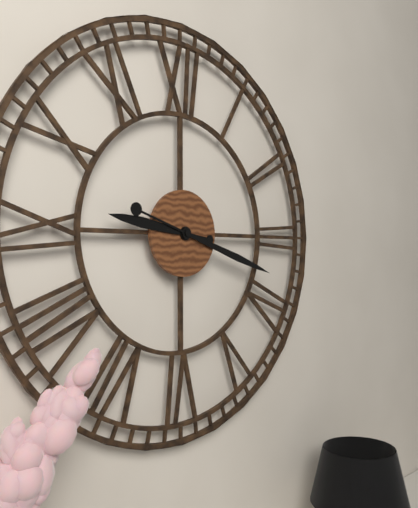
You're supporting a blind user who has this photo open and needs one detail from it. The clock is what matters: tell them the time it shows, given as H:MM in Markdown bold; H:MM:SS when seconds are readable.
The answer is **9:18**
